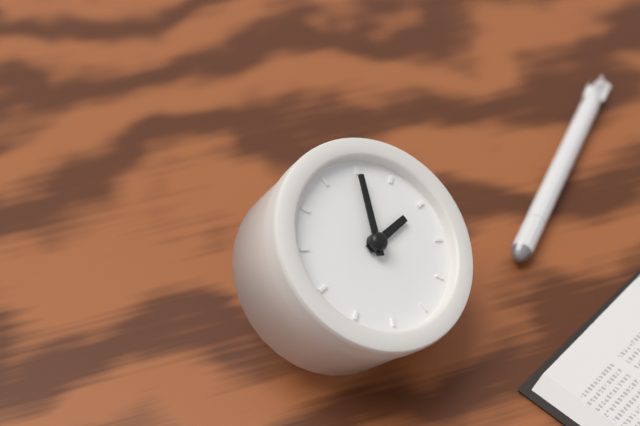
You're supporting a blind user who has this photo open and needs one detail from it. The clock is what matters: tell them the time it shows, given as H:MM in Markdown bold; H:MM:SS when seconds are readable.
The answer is **2:00**
